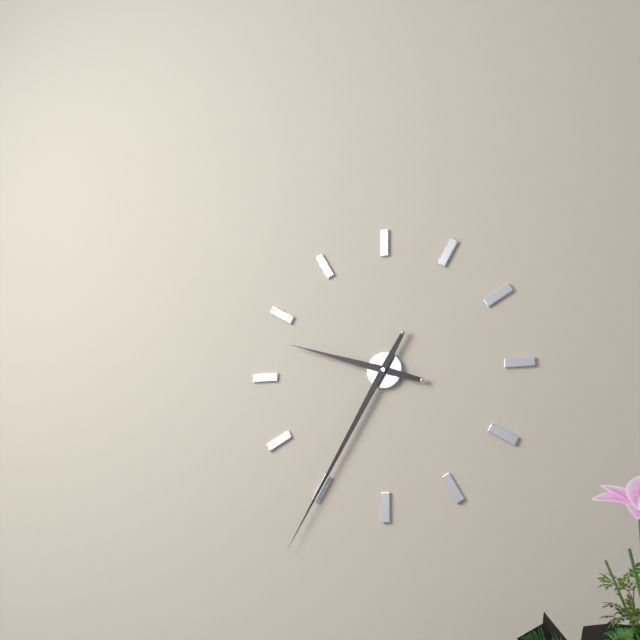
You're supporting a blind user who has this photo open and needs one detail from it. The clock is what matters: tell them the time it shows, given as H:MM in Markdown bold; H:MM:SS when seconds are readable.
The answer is **9:35**
